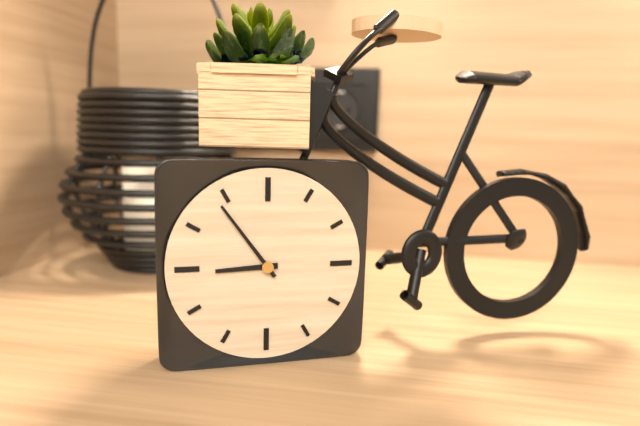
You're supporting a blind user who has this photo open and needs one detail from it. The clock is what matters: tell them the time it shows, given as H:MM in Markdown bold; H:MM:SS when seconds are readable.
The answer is **8:54**
